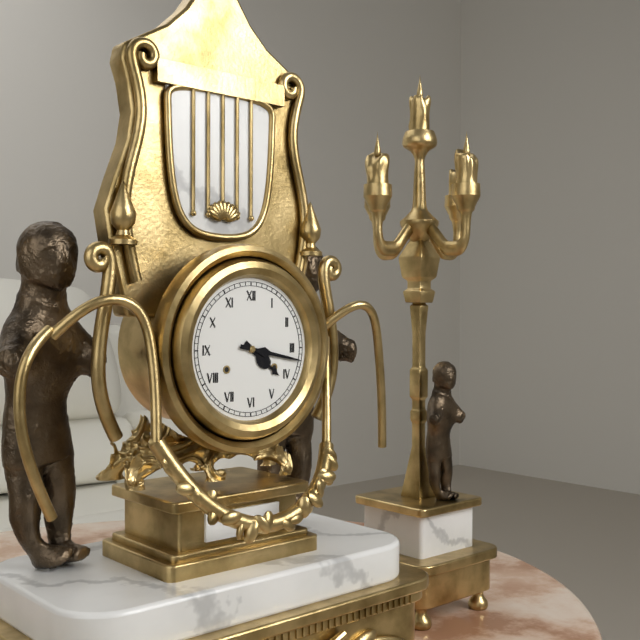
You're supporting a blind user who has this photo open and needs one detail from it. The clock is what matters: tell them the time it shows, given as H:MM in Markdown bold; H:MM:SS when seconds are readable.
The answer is **4:17**
